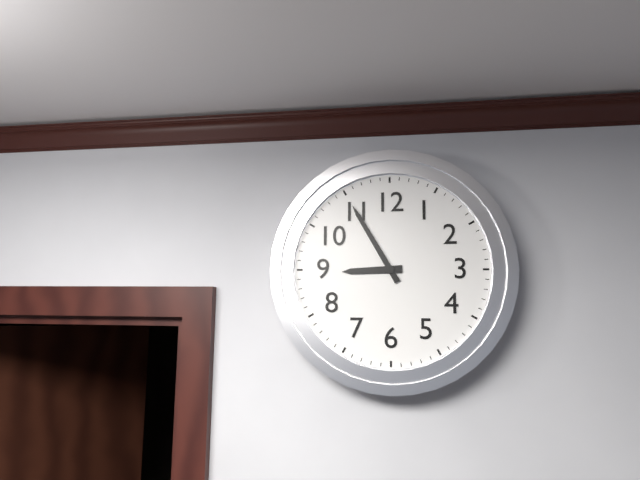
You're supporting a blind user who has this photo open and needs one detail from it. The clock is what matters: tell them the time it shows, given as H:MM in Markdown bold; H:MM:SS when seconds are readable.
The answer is **8:55**
